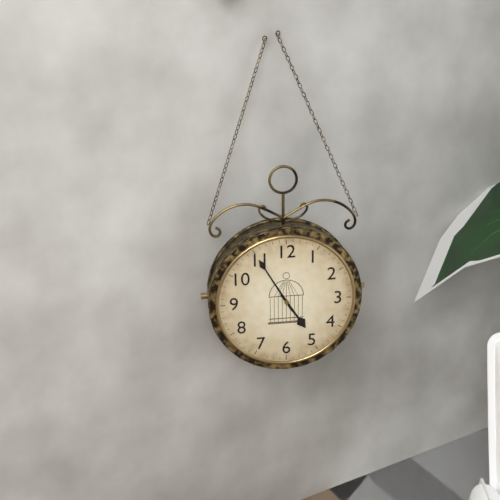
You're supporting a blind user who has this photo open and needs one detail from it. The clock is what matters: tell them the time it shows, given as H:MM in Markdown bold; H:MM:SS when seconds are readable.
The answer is **4:55**
